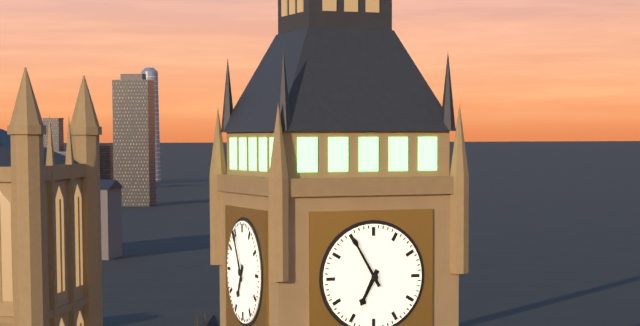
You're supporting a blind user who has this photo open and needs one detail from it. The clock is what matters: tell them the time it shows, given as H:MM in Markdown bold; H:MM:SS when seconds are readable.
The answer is **6:55**
